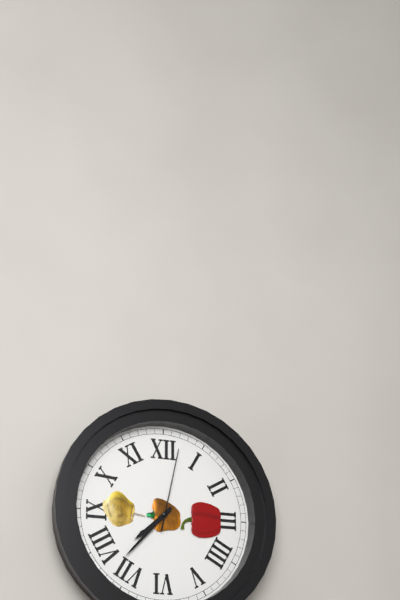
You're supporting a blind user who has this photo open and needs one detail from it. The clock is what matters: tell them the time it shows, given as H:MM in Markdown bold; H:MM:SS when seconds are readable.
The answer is **7:37:02**
